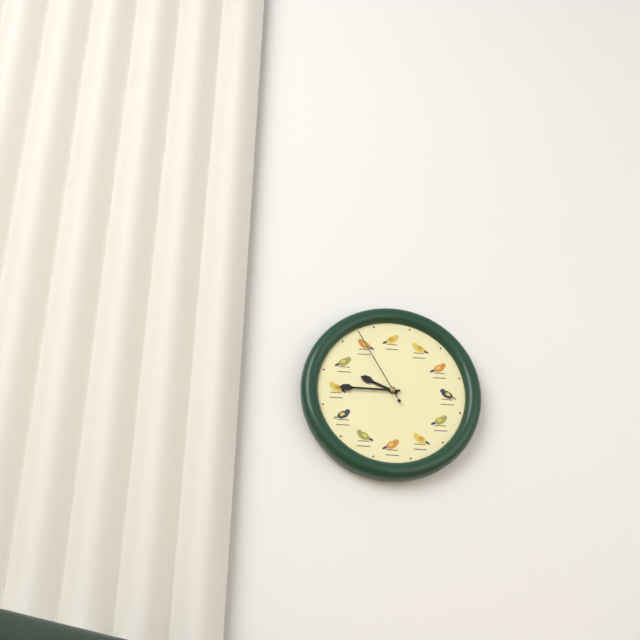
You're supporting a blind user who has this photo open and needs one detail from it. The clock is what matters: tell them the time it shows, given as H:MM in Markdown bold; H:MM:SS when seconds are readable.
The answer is **9:45:55**
